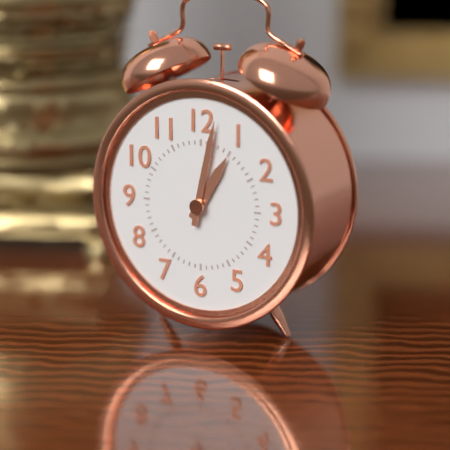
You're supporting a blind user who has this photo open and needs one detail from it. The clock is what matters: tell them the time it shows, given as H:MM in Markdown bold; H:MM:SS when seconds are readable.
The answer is **1:02**
